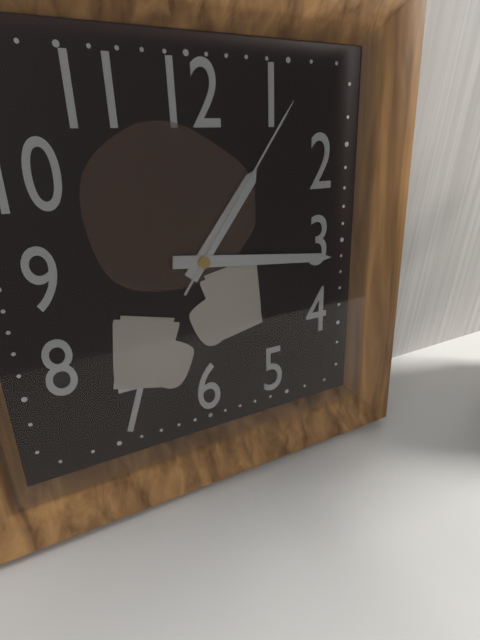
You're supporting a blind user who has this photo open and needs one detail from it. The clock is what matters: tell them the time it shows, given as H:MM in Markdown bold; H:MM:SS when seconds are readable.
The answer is **1:16:06**
